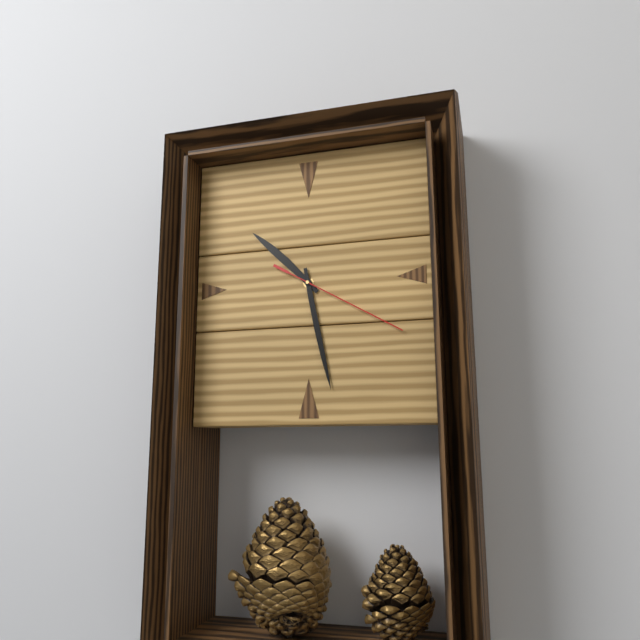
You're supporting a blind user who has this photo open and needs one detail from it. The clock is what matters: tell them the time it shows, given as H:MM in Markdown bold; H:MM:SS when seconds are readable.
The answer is **10:28:20**
